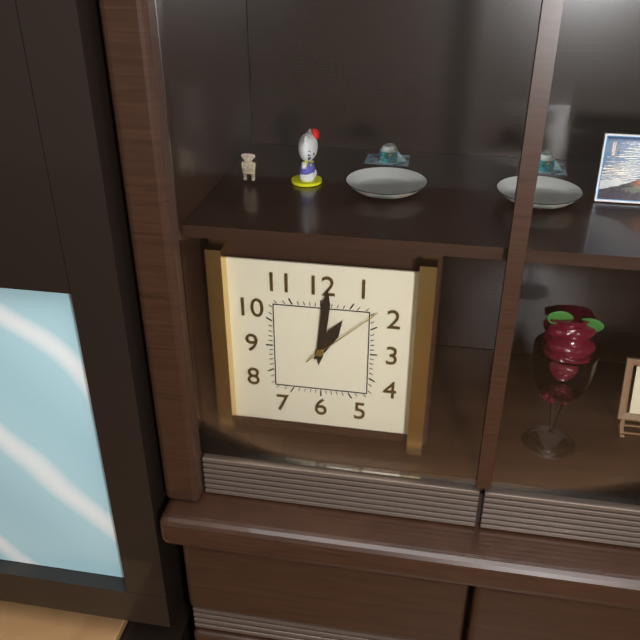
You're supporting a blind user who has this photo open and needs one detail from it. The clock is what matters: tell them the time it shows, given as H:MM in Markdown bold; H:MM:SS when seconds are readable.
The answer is **1:01:08**
